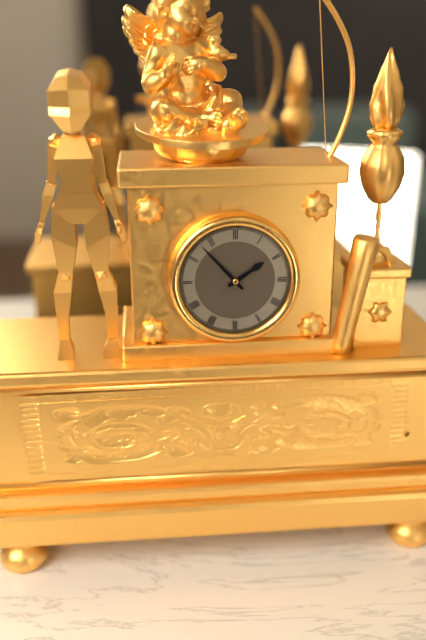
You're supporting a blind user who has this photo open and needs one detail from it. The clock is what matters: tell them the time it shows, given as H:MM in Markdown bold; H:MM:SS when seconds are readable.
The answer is **1:53**
